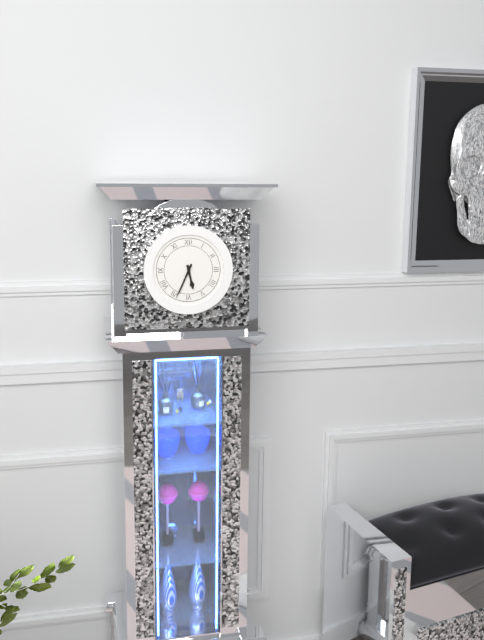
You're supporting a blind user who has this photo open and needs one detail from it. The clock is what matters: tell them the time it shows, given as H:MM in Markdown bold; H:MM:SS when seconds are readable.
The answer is **5:34**
